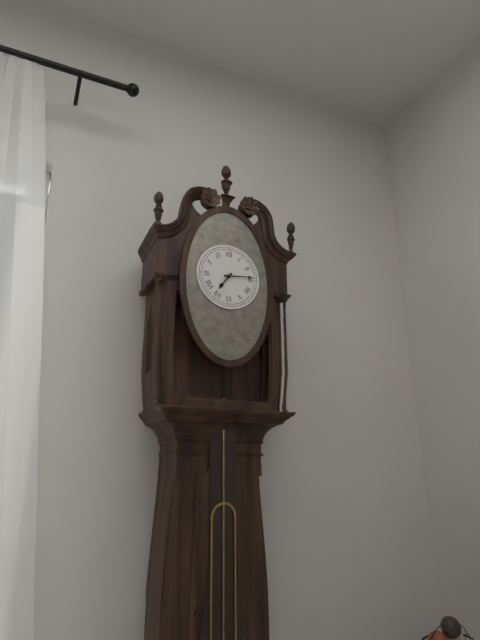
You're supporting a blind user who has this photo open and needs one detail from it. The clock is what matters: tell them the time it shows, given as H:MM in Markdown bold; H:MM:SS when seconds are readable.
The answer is **7:14**
